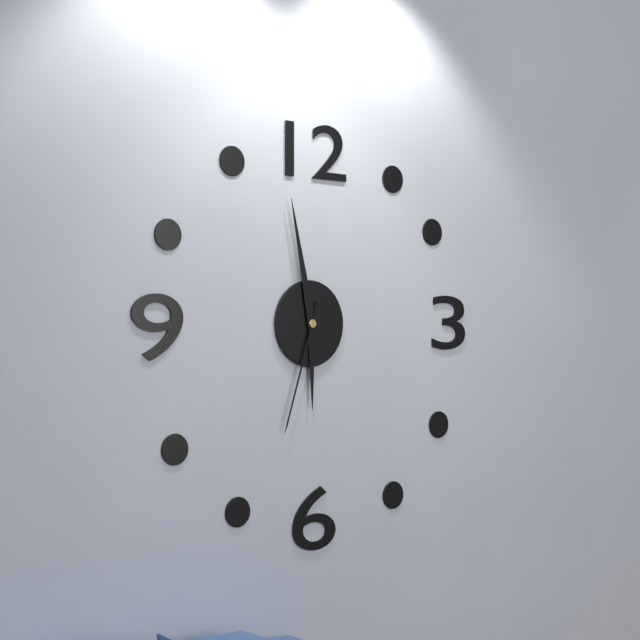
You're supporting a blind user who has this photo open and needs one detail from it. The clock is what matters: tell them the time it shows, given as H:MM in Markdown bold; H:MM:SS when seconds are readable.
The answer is **5:58:33**
